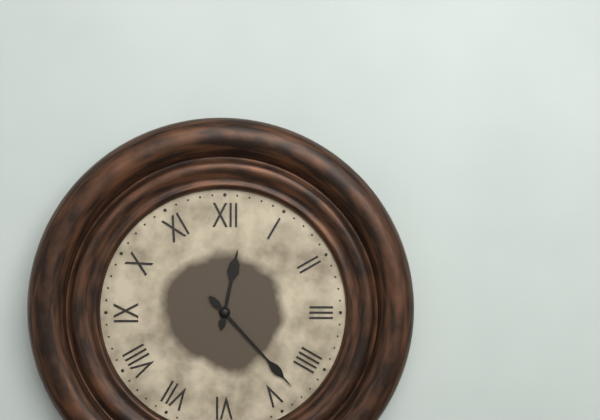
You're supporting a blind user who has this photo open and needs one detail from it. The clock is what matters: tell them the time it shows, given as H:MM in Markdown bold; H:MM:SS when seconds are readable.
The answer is **12:23**
